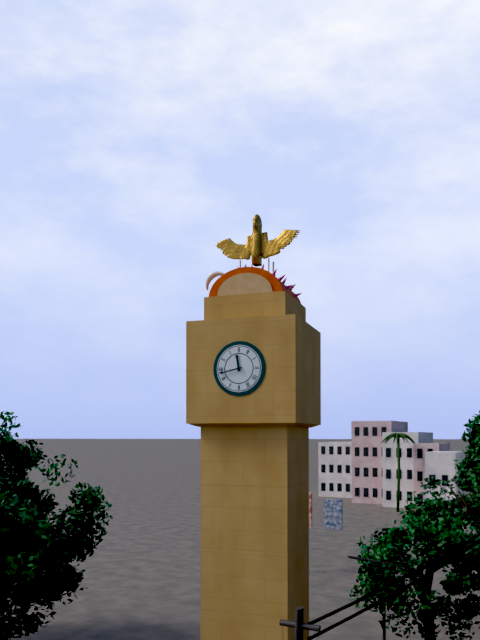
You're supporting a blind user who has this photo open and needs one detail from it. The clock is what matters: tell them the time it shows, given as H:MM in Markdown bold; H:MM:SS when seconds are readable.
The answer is **11:43**
